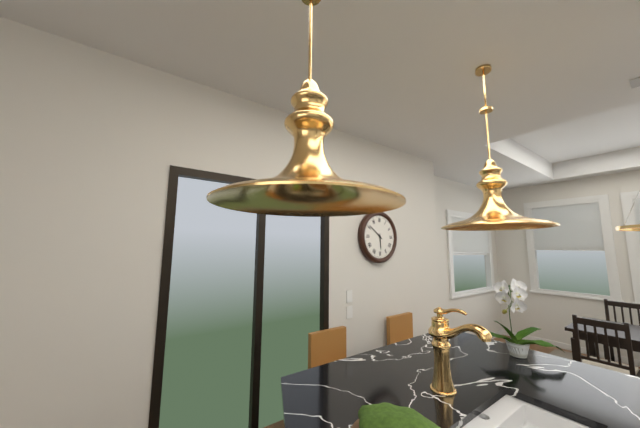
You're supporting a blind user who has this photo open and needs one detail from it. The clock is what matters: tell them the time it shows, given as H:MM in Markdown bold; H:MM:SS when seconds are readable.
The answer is **5:51**
